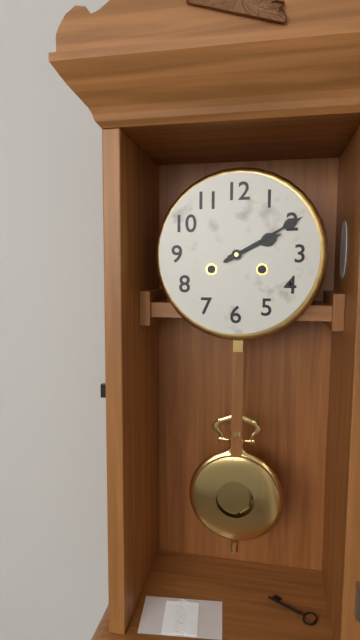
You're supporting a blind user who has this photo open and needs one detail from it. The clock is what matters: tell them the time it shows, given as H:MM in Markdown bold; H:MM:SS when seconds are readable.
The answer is **2:10**
